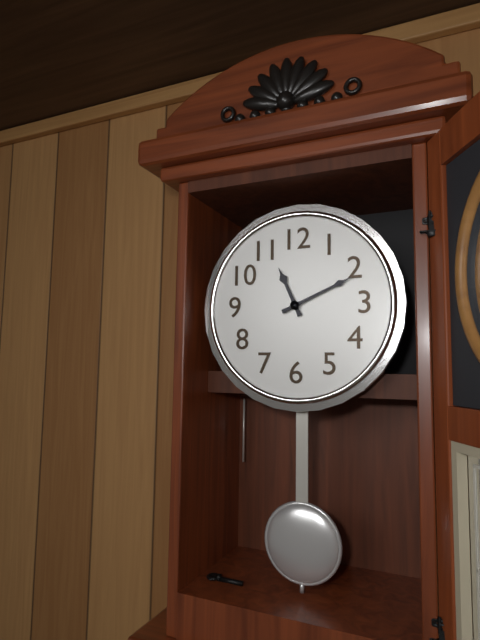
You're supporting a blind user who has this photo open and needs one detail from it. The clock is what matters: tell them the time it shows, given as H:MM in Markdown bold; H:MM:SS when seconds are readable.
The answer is **11:11**
